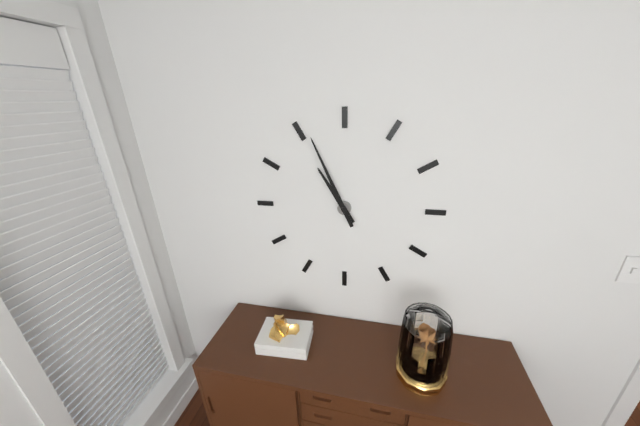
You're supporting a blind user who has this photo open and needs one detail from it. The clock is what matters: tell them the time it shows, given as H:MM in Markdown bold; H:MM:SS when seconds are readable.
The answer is **10:56**
